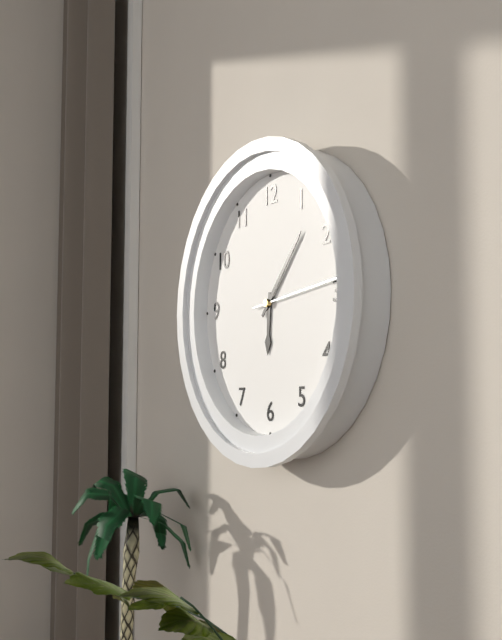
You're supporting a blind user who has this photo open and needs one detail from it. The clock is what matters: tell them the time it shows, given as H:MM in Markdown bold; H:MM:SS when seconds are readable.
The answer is **6:07:14**
